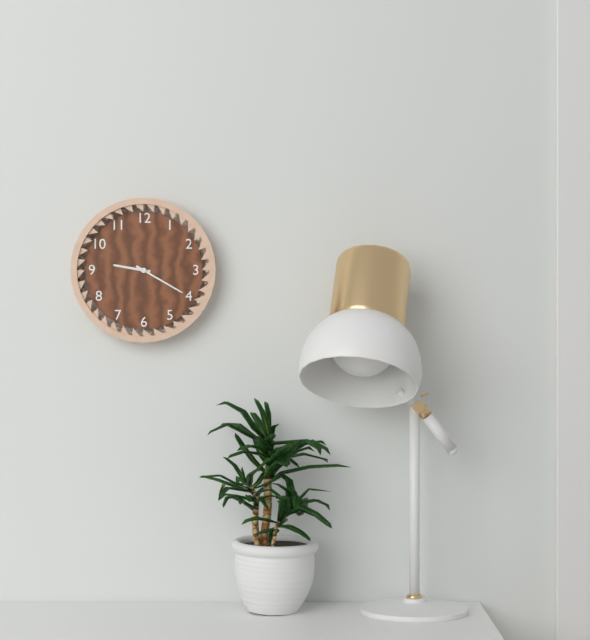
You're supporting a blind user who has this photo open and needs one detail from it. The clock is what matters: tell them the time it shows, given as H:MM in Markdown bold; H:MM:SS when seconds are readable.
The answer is **9:20**
